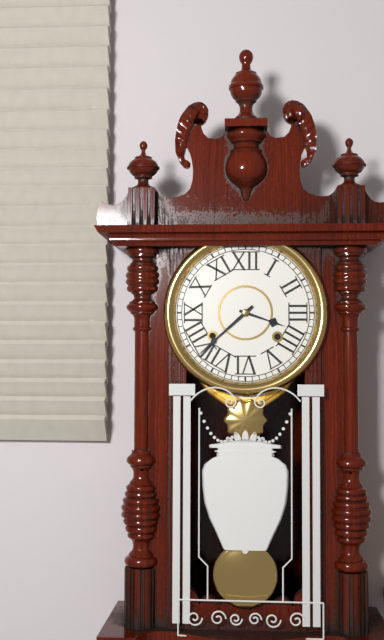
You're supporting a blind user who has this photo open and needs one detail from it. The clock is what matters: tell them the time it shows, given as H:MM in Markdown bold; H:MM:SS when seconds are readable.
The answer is **3:38**
